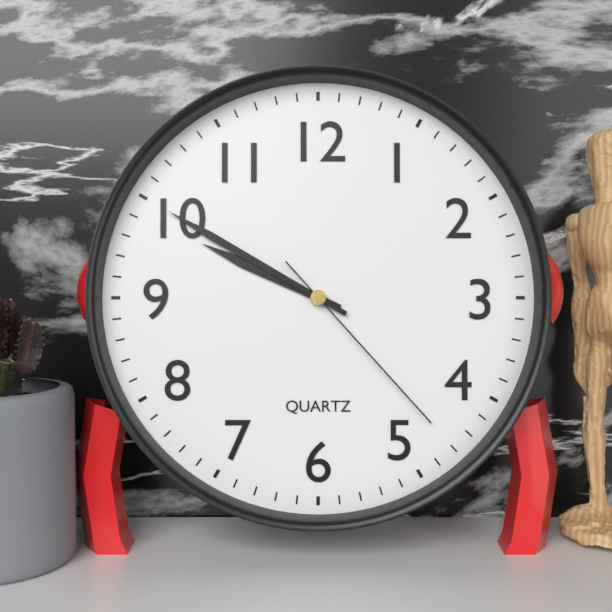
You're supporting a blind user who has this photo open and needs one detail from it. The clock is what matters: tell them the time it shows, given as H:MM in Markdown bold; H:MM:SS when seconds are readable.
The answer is **9:50:23**
